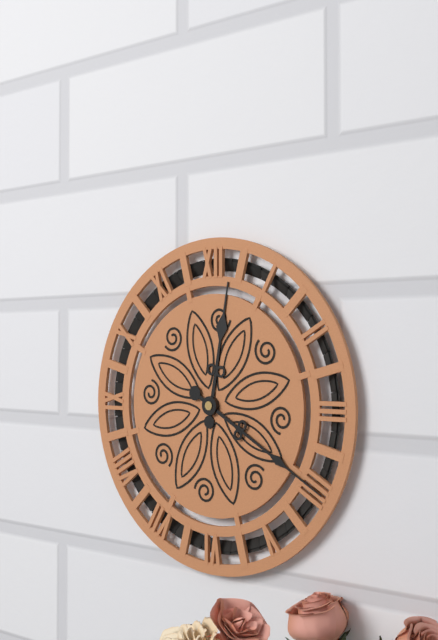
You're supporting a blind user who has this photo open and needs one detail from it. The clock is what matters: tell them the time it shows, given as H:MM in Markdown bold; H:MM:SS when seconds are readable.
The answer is **12:20**
